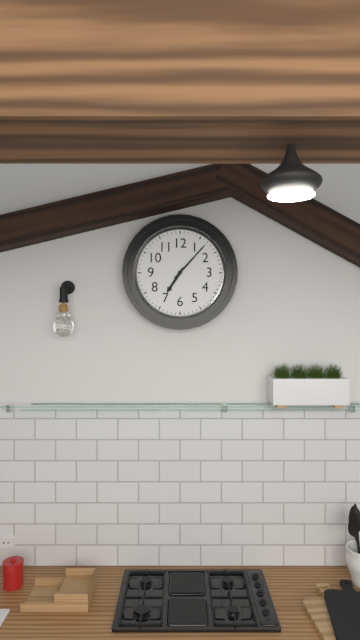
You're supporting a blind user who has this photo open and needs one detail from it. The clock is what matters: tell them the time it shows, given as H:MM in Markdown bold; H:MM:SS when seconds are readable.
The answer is **7:07**
